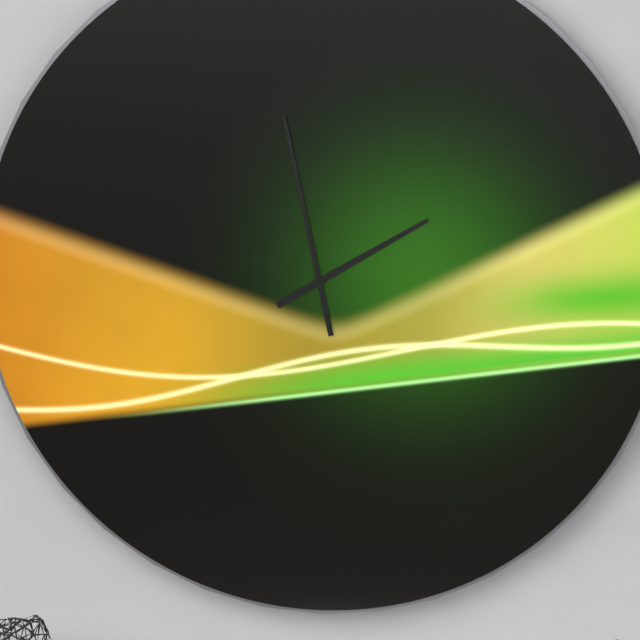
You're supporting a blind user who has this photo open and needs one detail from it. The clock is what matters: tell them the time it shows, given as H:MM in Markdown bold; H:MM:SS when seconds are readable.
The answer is **1:58**
